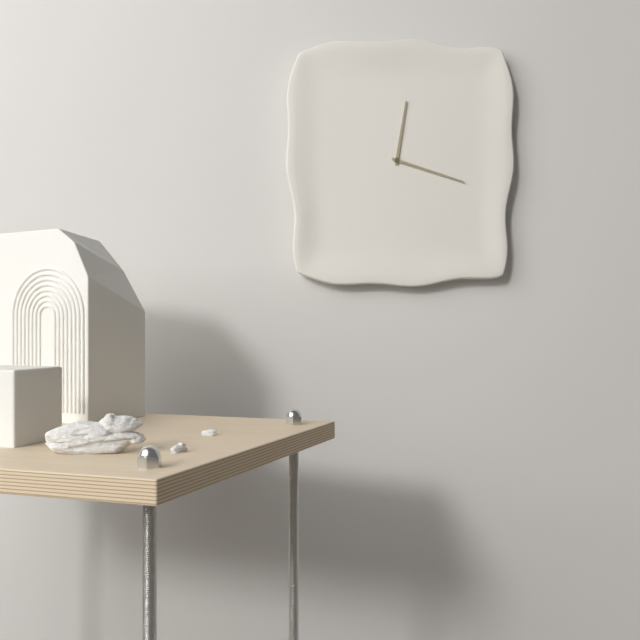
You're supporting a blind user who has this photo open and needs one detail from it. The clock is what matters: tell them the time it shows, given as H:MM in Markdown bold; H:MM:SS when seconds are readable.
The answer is **12:18**
